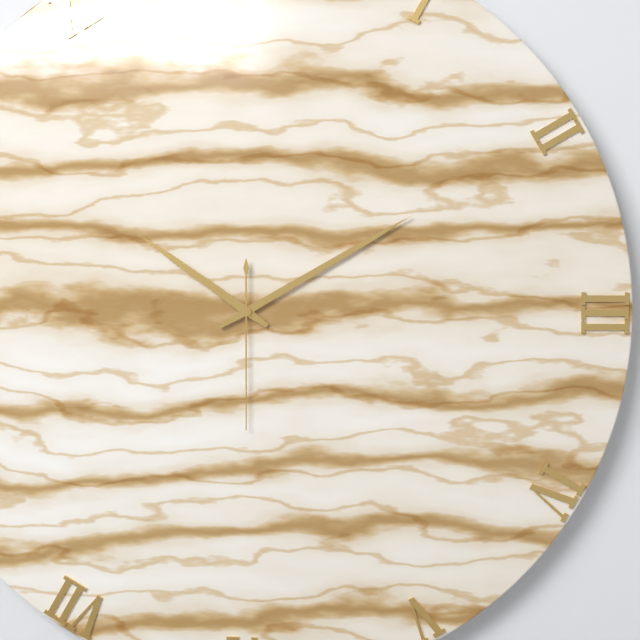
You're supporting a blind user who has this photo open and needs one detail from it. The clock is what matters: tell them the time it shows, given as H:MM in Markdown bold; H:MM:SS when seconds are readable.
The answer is **10:10:30**
